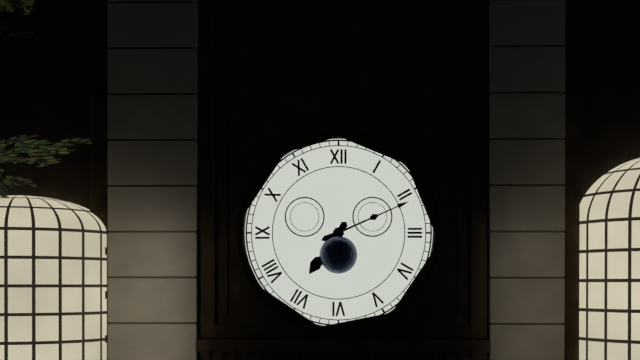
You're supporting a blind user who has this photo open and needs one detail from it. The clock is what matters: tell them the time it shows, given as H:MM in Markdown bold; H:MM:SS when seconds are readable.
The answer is **7:11**
